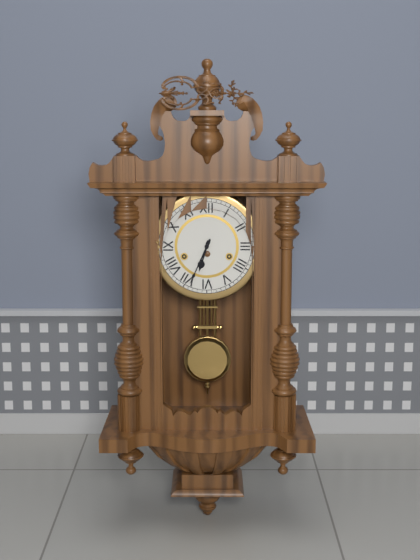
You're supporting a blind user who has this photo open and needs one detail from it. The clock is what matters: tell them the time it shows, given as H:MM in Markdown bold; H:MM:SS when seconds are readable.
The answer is **6:34**
